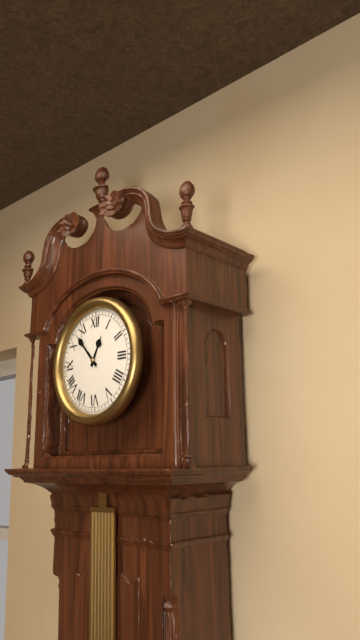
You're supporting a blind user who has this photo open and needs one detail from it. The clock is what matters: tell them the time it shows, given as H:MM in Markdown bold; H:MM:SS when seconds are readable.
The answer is **12:53**
